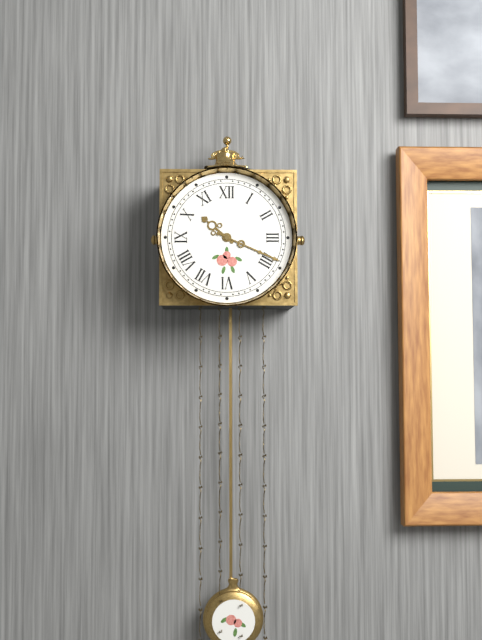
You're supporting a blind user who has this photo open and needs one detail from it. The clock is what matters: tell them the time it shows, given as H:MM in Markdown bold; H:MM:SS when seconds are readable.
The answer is **10:19**
